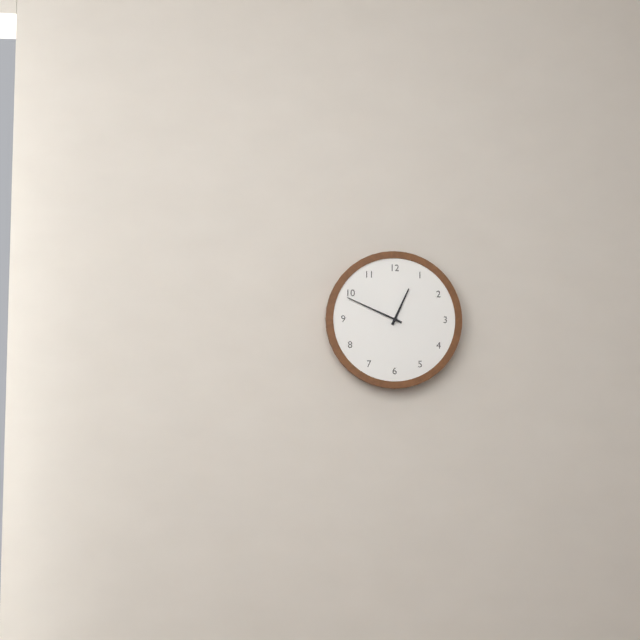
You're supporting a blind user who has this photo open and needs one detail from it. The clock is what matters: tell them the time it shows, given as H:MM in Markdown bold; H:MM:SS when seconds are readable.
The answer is **12:49**
